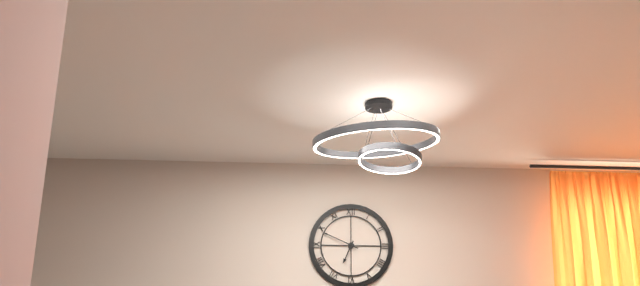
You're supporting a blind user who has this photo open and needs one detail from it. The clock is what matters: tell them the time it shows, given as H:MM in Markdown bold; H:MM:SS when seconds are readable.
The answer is **6:49**
